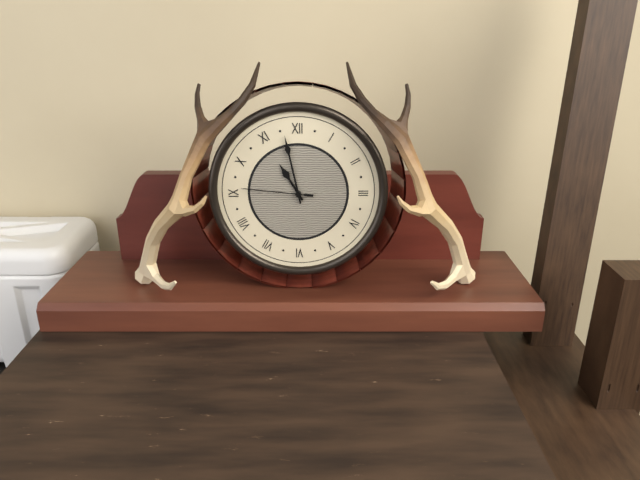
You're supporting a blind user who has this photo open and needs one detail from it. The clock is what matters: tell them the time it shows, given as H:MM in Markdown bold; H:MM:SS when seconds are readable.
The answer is **10:58:46**
